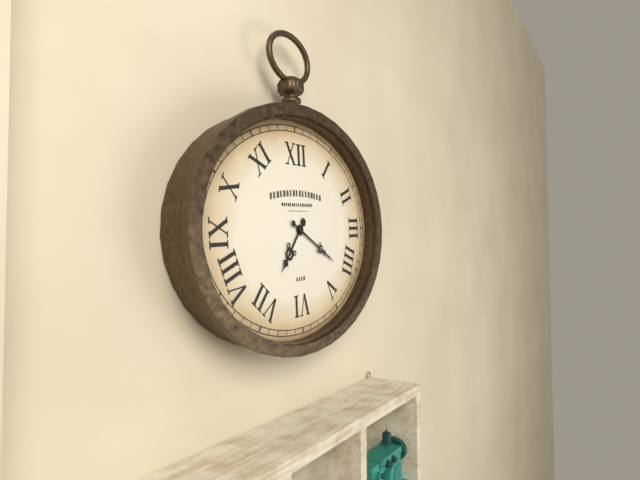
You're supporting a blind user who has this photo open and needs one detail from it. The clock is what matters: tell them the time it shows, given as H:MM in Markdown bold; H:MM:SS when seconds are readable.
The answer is **7:20**
